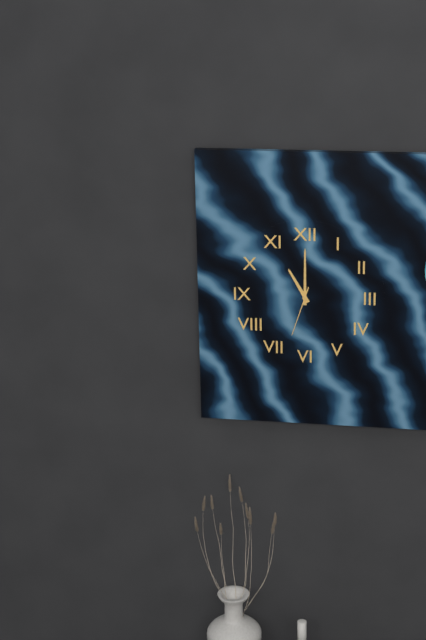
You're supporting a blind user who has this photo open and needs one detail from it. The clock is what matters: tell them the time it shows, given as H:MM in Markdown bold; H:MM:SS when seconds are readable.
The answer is **11:00:33**
